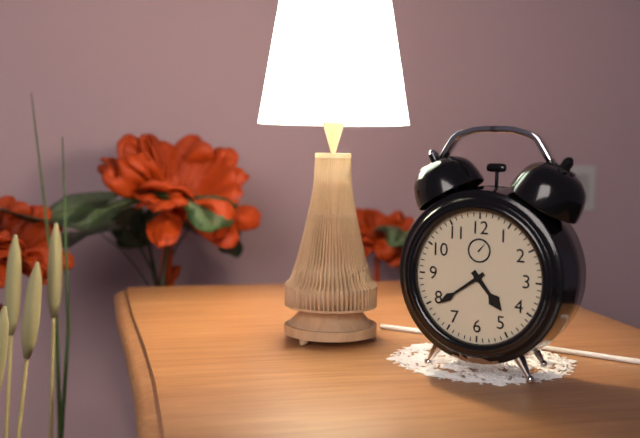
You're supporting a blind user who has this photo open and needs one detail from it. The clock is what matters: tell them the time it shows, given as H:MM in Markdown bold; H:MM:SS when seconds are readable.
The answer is **4:39**
